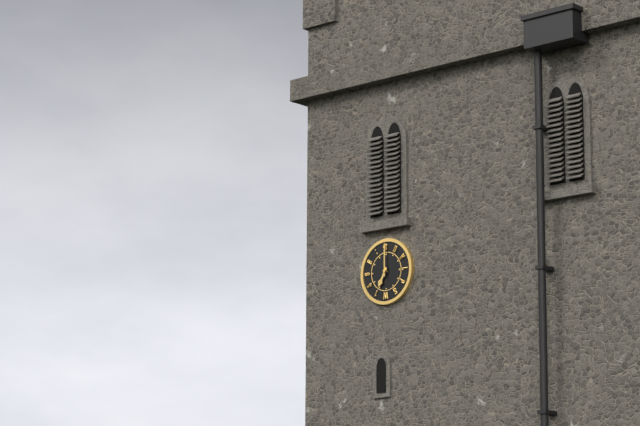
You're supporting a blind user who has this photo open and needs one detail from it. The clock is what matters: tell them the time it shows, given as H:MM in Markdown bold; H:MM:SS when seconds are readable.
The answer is **7:00**
